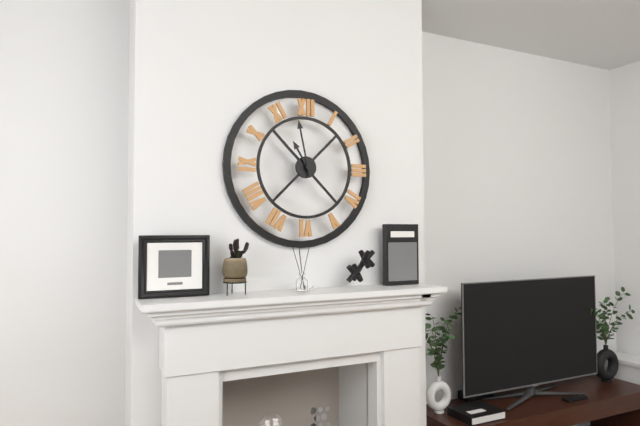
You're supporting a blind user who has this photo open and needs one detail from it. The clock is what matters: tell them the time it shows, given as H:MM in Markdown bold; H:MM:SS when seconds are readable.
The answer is **10:58**
